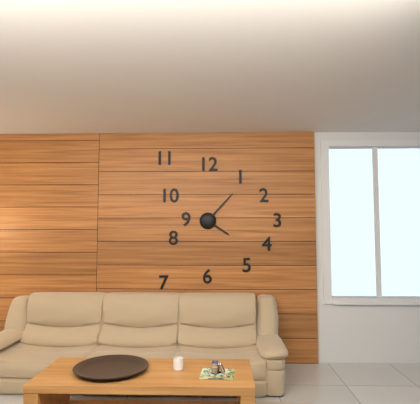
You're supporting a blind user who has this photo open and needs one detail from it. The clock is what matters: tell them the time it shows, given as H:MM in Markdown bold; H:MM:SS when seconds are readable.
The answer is **4:07**
